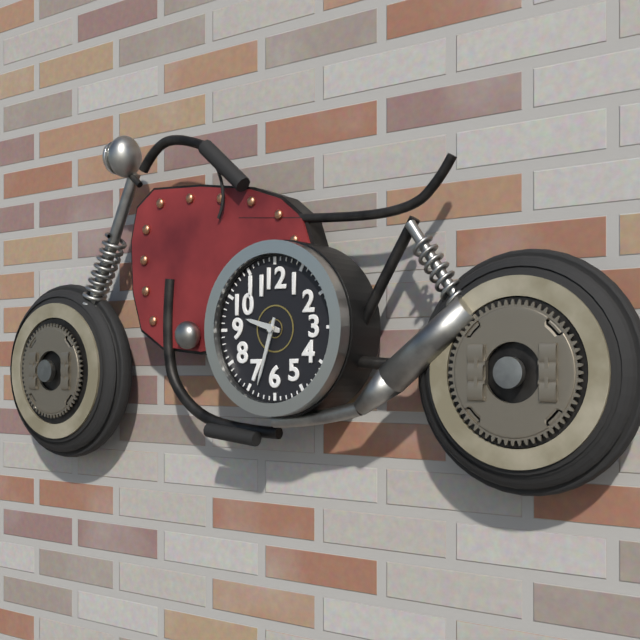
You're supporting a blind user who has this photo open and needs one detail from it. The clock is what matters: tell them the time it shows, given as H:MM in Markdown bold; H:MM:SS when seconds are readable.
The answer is **9:33**
